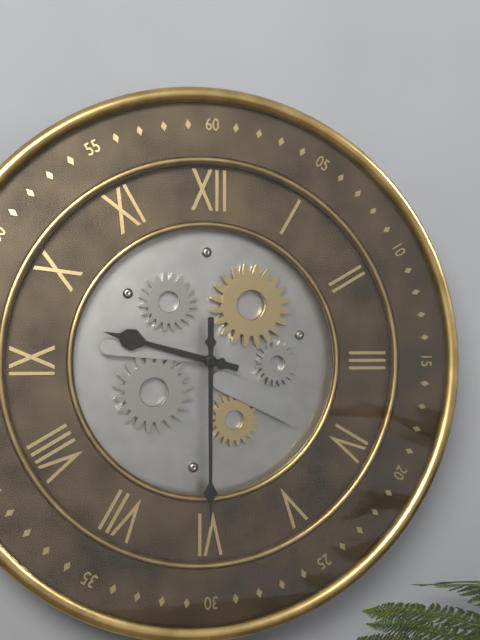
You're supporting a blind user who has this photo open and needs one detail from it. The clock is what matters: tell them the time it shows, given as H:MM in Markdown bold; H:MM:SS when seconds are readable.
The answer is **9:30**
